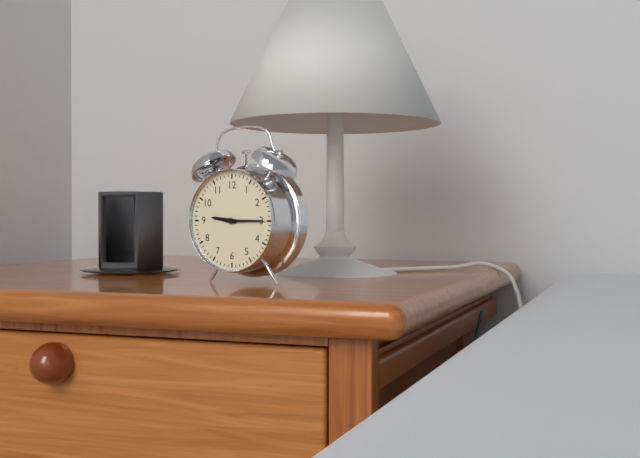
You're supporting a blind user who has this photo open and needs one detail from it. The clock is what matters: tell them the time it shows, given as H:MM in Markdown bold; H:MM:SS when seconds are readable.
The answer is **9:15**
